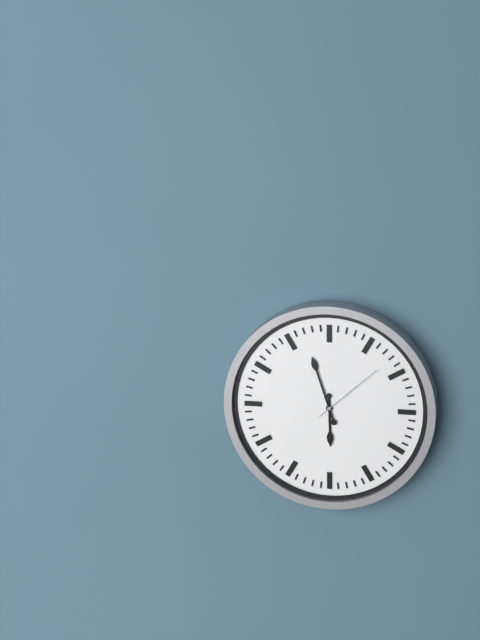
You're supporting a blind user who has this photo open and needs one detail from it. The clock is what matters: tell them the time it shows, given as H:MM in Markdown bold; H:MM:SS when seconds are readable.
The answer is **5:57:08**
